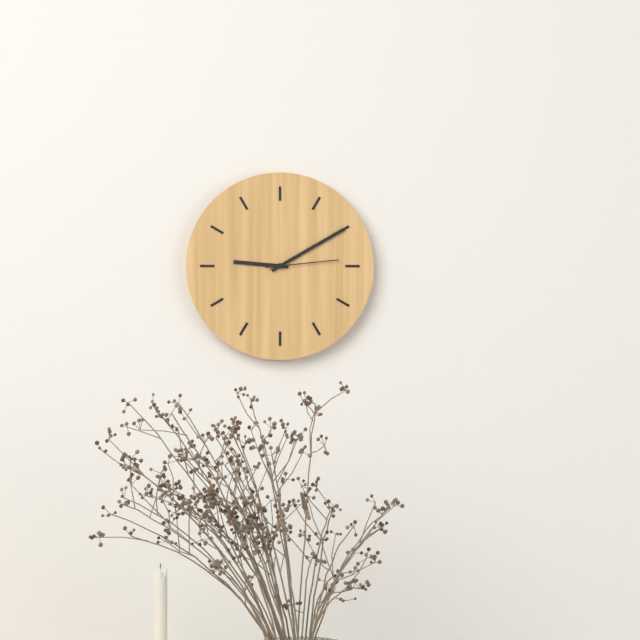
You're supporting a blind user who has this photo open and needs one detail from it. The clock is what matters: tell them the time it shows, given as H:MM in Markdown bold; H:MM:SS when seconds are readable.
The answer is **9:10:14**
